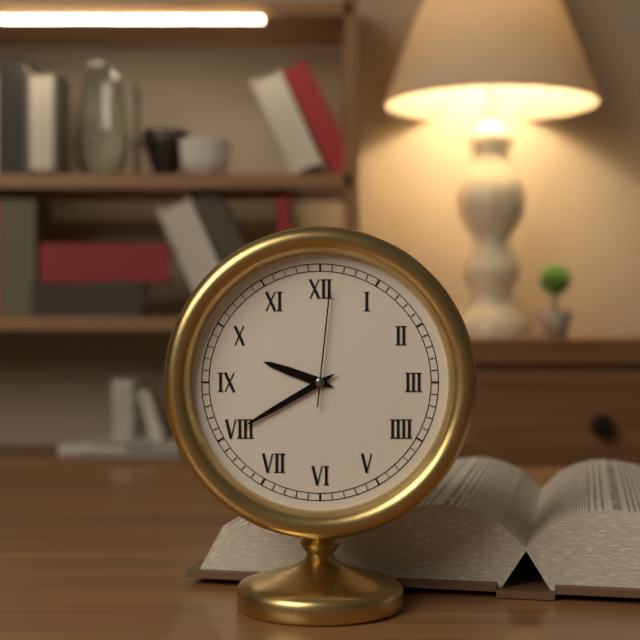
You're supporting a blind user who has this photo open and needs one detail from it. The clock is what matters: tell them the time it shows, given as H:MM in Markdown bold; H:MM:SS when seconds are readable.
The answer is **9:40:01**
